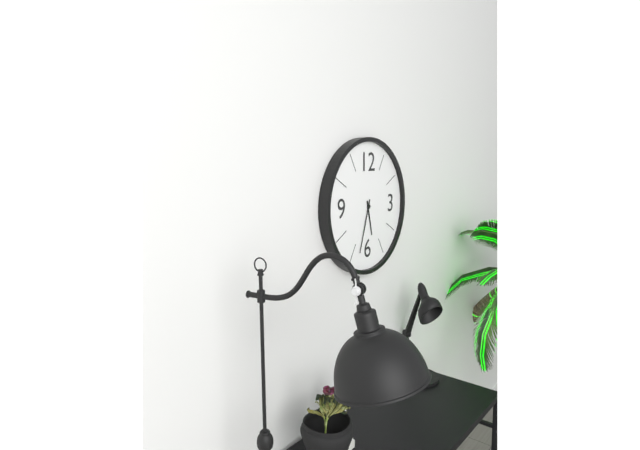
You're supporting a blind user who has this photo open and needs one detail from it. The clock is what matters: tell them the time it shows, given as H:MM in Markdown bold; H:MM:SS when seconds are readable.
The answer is **5:33**
